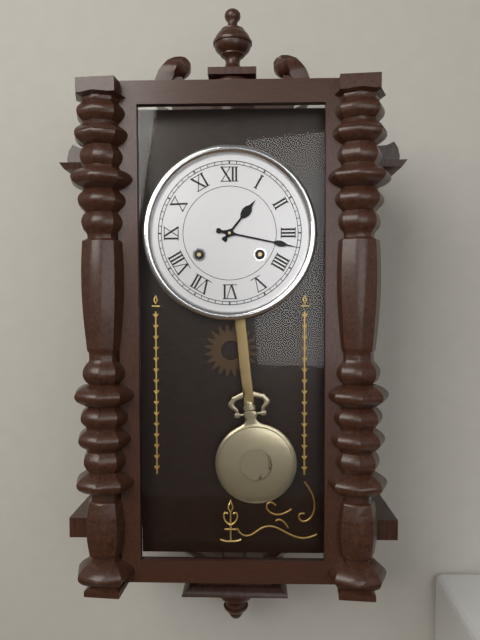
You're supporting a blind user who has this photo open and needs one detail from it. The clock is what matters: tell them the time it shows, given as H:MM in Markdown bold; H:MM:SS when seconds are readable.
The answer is **1:17**
